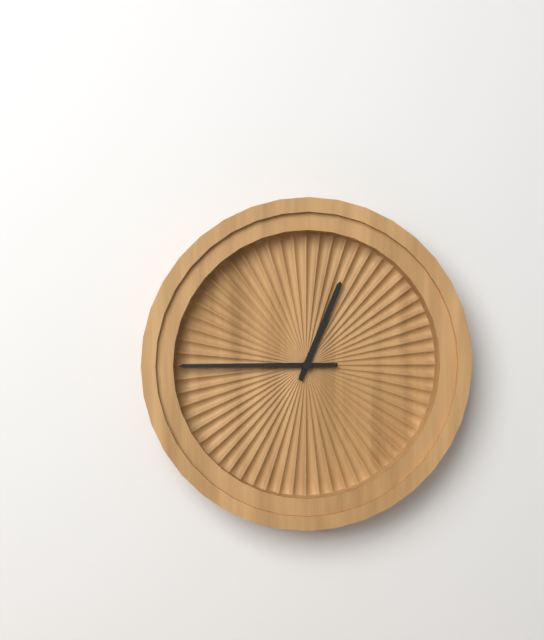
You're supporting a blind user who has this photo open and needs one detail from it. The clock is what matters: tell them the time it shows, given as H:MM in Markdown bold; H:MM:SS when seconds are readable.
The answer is **12:45**
